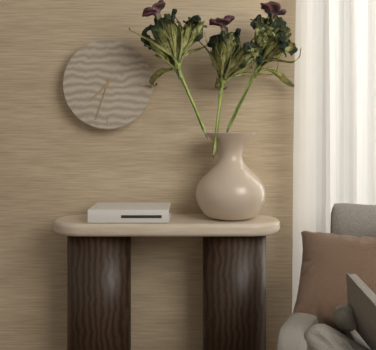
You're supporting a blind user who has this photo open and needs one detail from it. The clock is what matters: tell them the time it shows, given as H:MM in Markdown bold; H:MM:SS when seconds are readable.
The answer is **7:33**
